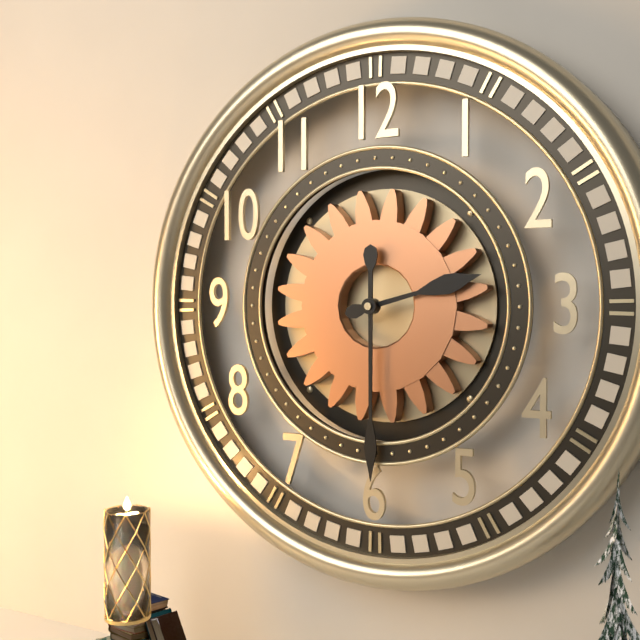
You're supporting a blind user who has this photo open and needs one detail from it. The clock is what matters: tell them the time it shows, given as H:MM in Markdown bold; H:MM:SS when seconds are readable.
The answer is **2:30**
